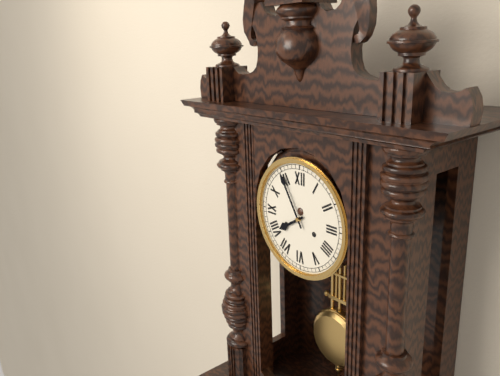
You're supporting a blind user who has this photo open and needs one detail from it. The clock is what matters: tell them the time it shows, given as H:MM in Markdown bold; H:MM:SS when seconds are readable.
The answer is **7:55**
